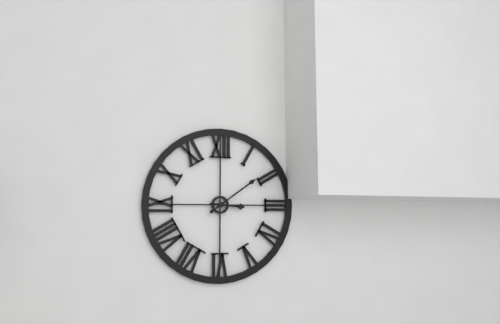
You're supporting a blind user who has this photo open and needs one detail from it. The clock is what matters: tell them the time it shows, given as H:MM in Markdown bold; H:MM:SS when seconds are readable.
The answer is **3:09**
